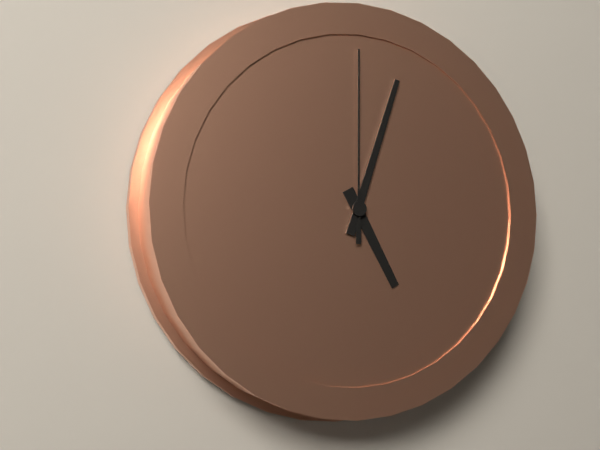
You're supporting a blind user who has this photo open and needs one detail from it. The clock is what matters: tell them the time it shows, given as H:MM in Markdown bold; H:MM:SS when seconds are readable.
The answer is **5:03:00**
